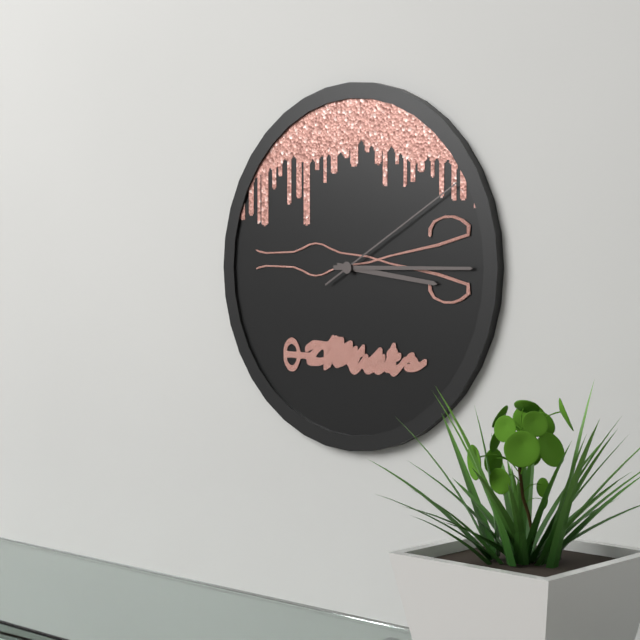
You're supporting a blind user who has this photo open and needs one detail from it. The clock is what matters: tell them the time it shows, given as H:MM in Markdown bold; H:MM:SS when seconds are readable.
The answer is **3:15:10**
